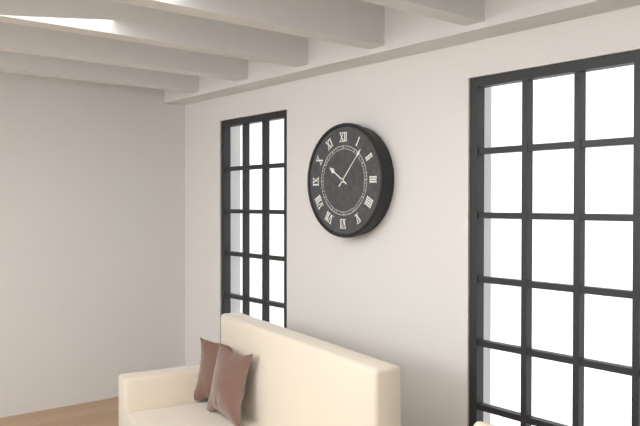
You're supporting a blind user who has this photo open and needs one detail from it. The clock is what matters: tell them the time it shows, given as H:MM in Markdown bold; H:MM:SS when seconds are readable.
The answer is **10:07**
